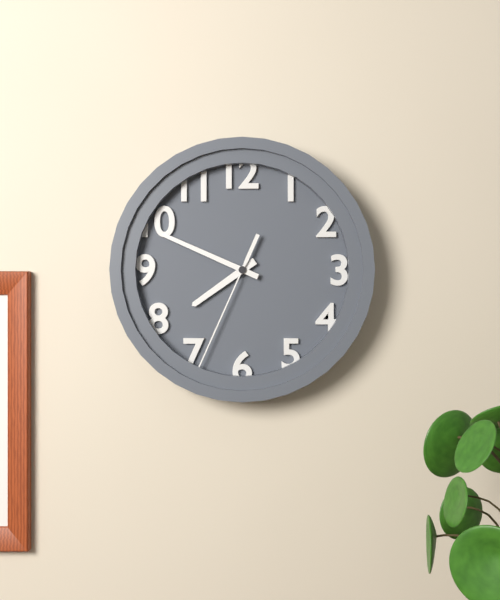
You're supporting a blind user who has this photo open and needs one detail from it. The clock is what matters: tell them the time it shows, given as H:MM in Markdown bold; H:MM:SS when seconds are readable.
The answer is **7:49:34**
